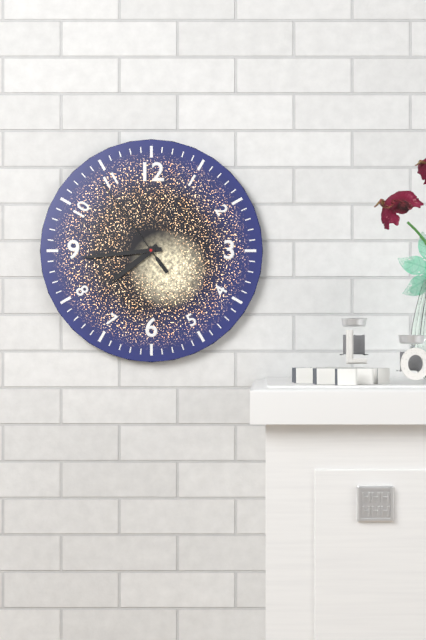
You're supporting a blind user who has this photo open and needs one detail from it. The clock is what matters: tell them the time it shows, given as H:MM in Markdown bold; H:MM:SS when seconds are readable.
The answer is **7:44:54**
